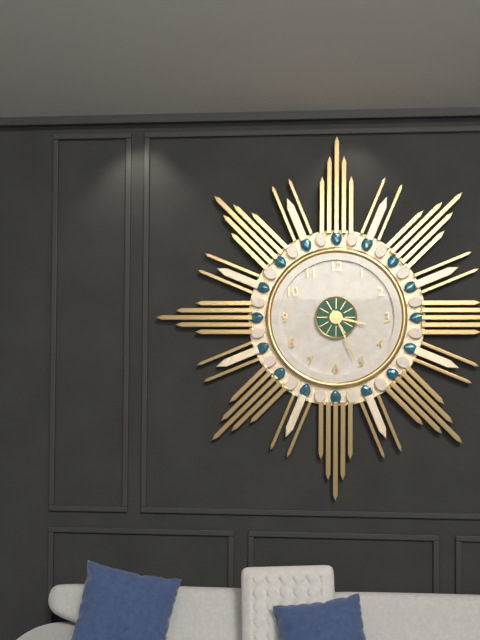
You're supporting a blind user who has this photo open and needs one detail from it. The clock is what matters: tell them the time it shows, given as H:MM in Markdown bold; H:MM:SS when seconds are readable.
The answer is **3:26**
